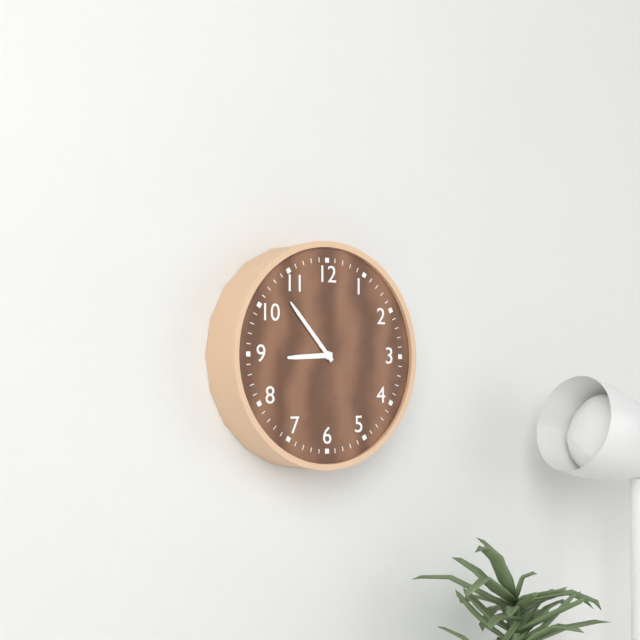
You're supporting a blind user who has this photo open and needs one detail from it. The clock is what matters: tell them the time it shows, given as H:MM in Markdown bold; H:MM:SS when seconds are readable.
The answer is **8:53**
